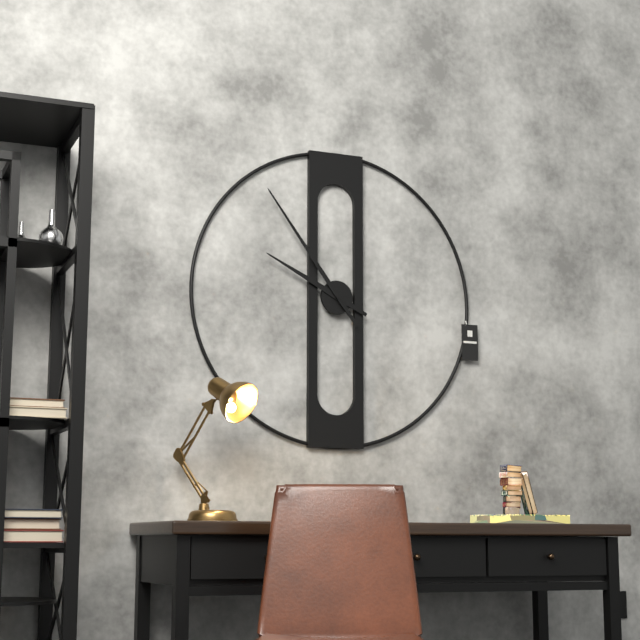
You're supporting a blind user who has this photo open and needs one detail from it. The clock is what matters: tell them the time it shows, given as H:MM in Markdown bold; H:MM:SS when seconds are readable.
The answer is **9:54**
